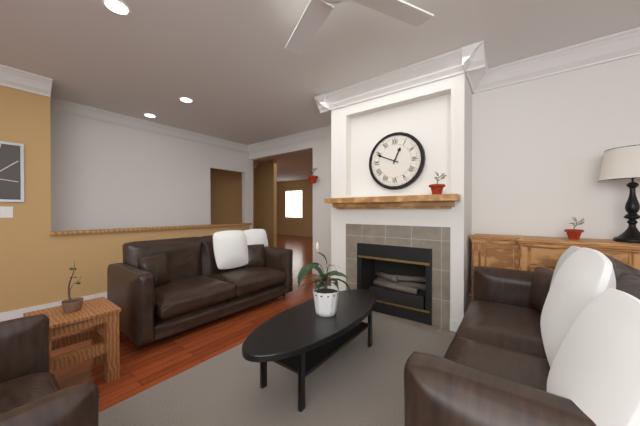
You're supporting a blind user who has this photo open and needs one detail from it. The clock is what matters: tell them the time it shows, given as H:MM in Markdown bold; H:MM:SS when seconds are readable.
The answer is **12:49**
